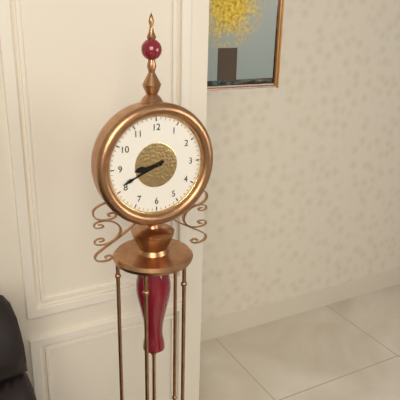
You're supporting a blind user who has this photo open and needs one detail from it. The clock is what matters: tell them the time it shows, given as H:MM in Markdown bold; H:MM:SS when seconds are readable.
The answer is **8:41**
